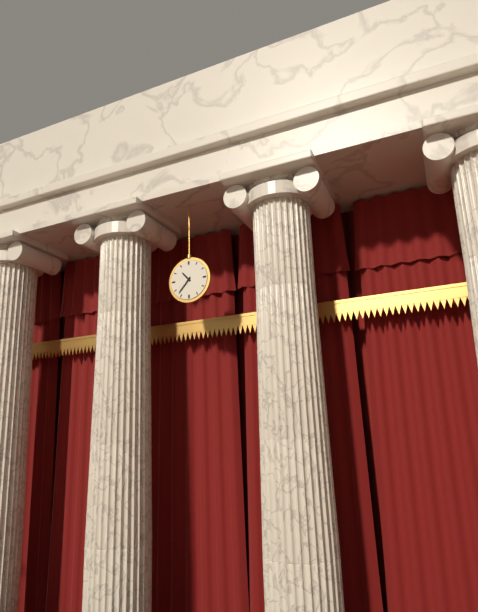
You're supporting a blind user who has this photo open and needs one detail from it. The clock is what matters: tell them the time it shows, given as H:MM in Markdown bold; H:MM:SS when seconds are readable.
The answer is **10:37**
